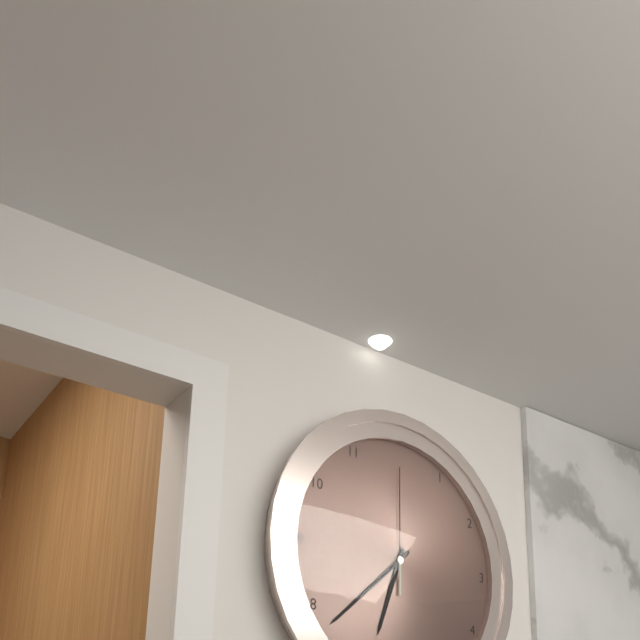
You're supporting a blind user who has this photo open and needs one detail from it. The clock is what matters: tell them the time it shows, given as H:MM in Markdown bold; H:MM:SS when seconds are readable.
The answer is **6:38:00**
